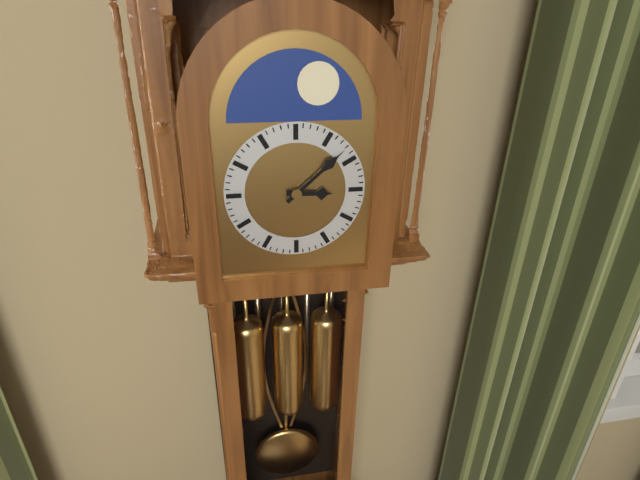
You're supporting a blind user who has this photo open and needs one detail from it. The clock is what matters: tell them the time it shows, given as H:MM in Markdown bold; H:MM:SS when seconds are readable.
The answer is **3:08**
